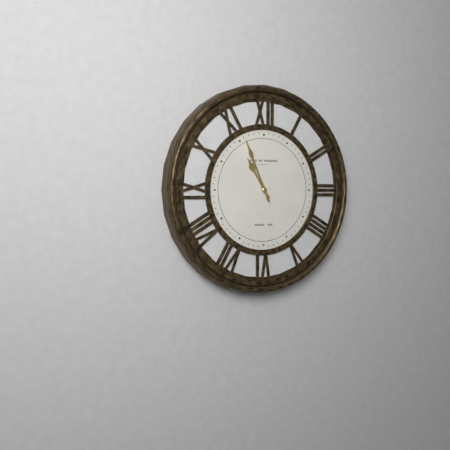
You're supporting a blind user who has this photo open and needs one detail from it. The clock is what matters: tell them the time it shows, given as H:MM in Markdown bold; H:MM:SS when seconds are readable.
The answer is **10:56**
